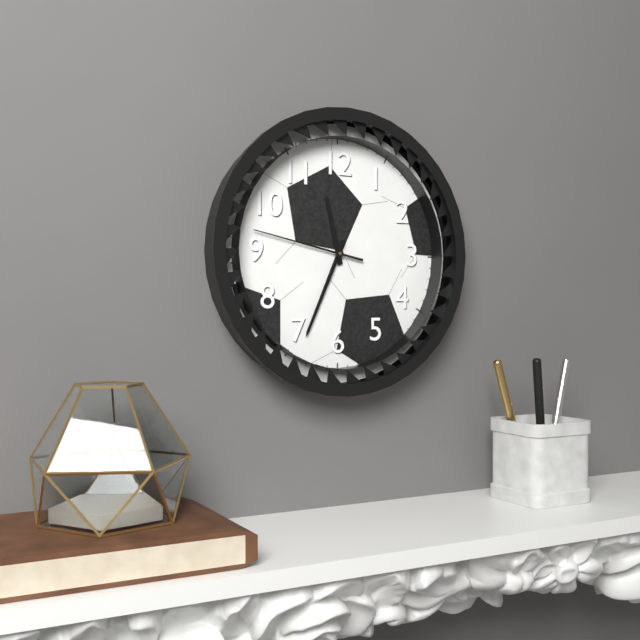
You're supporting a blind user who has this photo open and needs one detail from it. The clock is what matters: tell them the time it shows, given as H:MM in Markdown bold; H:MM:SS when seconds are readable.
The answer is **11:34:47**
